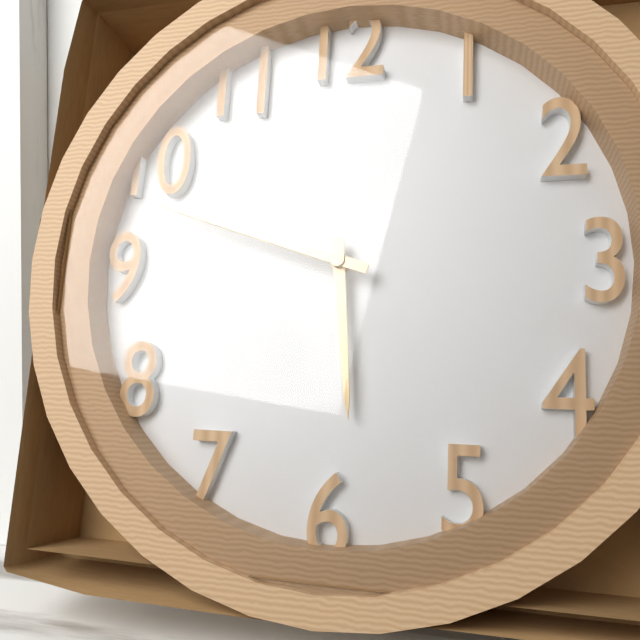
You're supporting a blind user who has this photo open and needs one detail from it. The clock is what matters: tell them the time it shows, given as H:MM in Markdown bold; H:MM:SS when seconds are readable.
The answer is **5:48**
